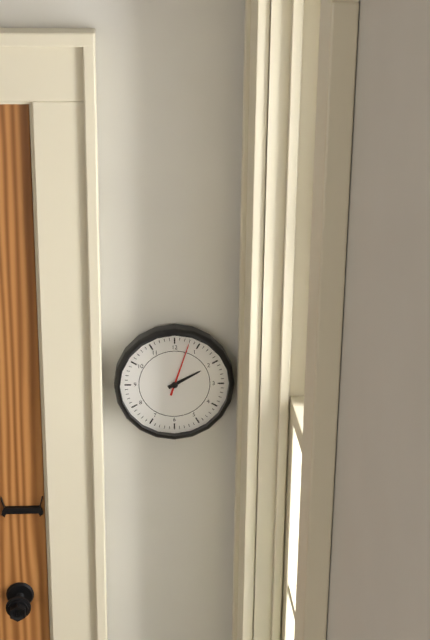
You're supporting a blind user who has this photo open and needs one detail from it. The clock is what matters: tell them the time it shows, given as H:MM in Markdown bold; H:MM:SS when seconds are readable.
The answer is **2:03**
